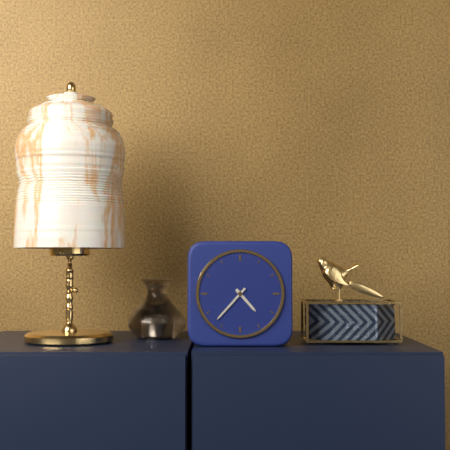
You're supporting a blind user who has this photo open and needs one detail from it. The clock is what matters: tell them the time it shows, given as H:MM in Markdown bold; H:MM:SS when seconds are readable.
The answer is **4:37**
